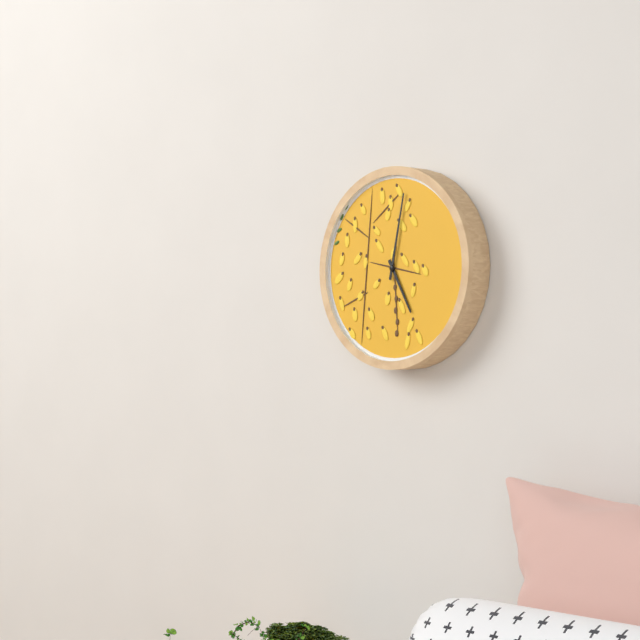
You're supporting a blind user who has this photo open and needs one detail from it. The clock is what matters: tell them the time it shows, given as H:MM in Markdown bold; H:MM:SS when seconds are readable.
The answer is **5:02**
